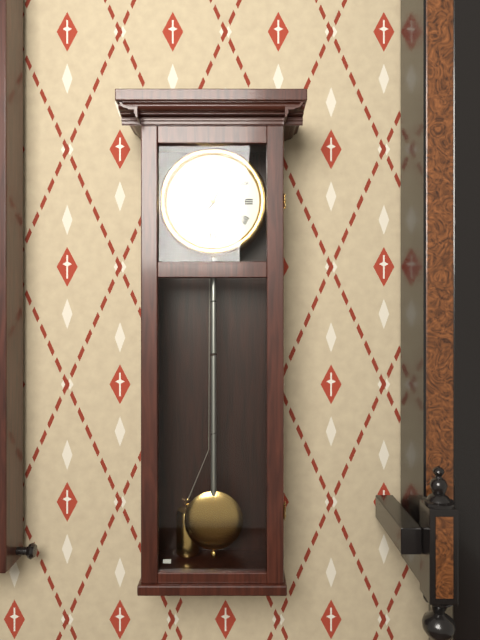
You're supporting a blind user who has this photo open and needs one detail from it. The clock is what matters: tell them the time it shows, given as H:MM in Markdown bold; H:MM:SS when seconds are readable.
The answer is **10:05**
